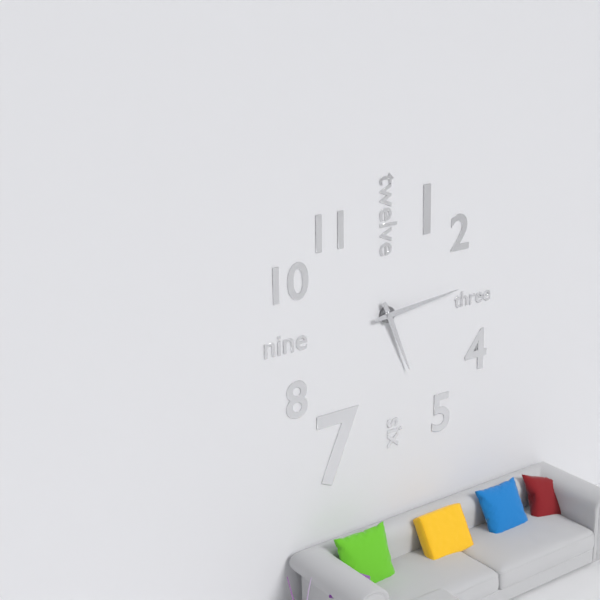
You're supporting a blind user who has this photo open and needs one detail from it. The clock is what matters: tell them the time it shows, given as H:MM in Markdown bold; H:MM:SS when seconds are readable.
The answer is **5:14**
